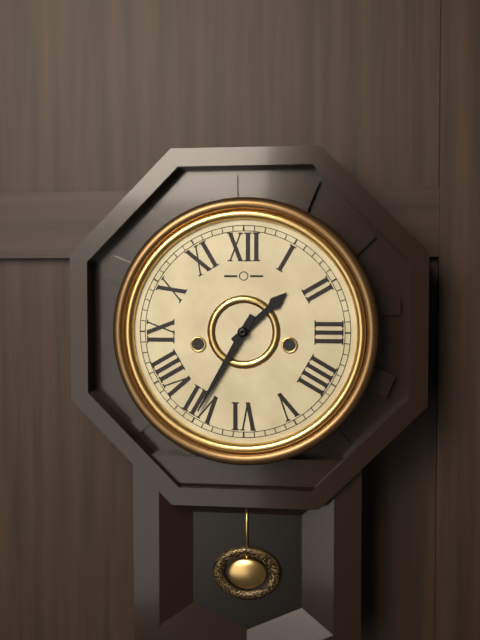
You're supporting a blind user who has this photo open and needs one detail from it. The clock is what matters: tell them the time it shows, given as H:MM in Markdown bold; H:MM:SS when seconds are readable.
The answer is **1:35**
